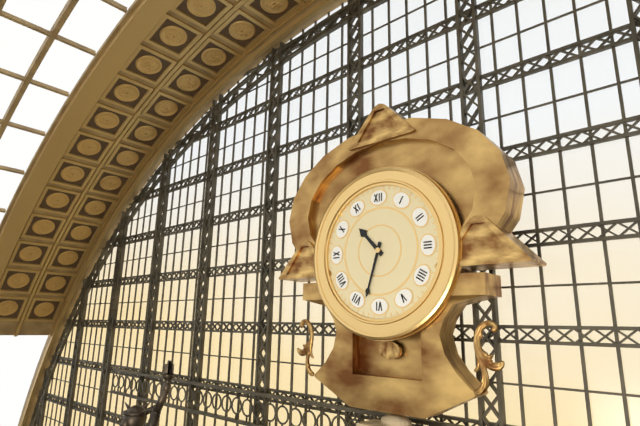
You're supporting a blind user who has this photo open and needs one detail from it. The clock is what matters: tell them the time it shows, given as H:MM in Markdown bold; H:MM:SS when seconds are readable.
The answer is **10:33**
